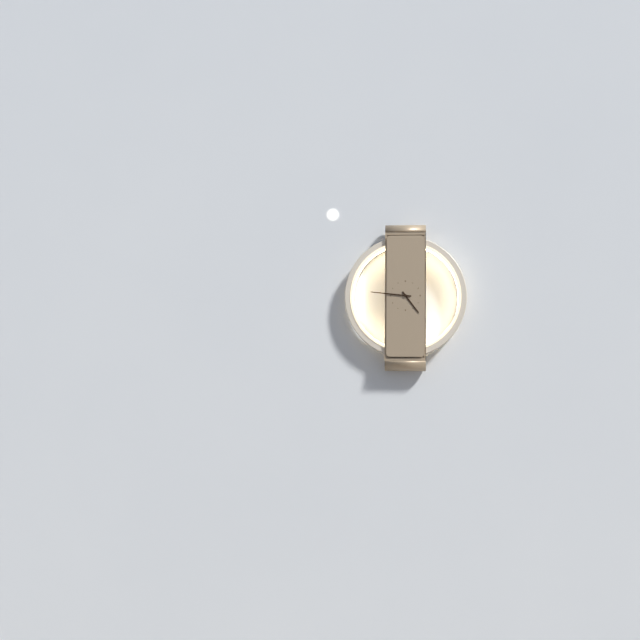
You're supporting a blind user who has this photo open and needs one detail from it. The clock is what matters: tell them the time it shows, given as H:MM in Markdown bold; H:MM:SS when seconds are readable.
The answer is **4:46**
